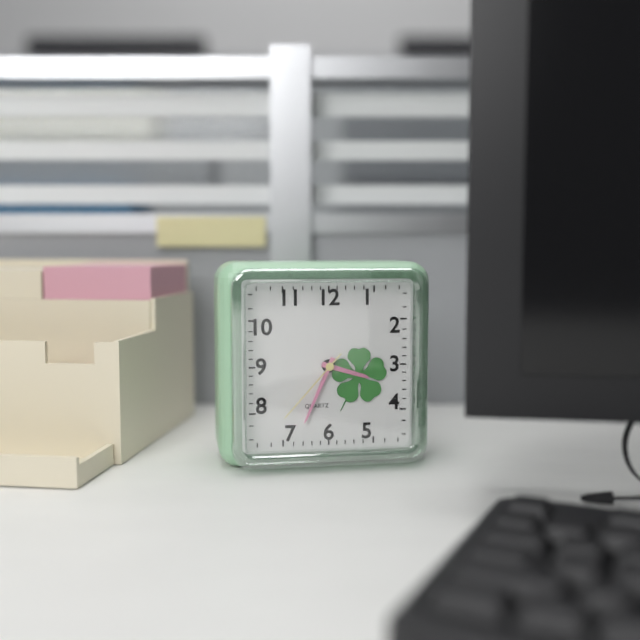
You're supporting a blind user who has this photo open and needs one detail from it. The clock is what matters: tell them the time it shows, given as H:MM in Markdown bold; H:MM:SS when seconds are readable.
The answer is **3:34:37**
